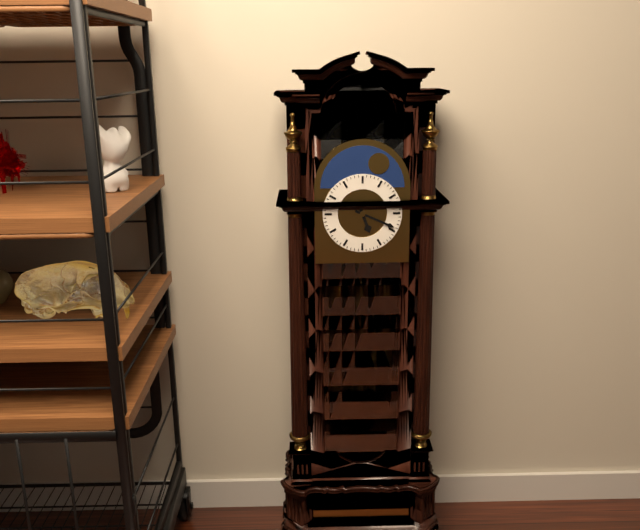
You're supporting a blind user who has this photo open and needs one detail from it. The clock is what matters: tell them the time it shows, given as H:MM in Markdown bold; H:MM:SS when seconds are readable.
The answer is **5:19**
